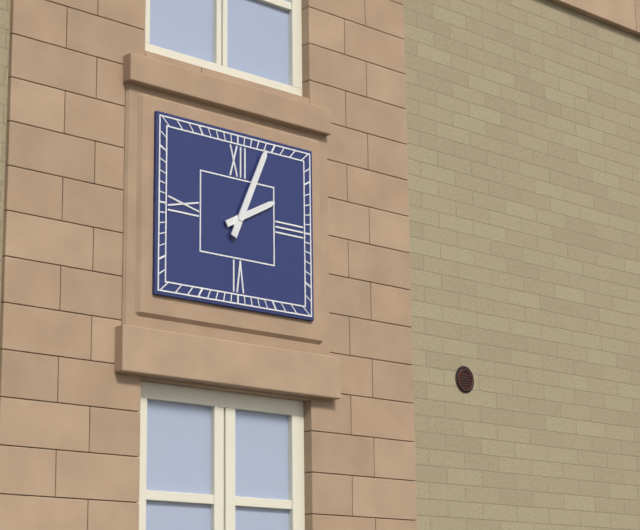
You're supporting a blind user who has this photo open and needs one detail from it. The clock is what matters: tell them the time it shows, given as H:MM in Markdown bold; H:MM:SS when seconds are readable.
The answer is **2:04**
